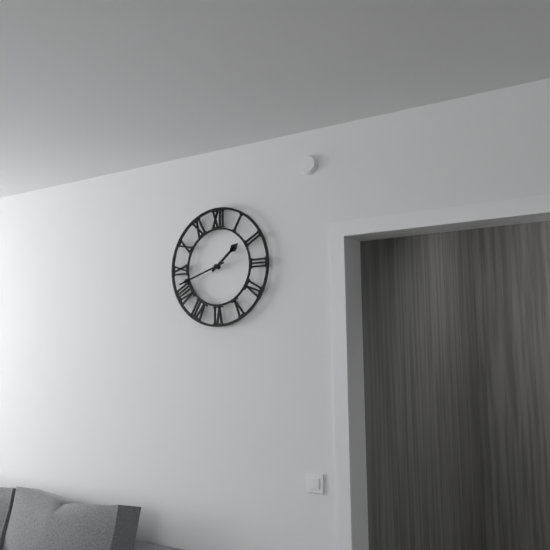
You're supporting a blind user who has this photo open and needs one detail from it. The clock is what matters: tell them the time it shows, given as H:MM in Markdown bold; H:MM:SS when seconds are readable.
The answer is **1:42**
